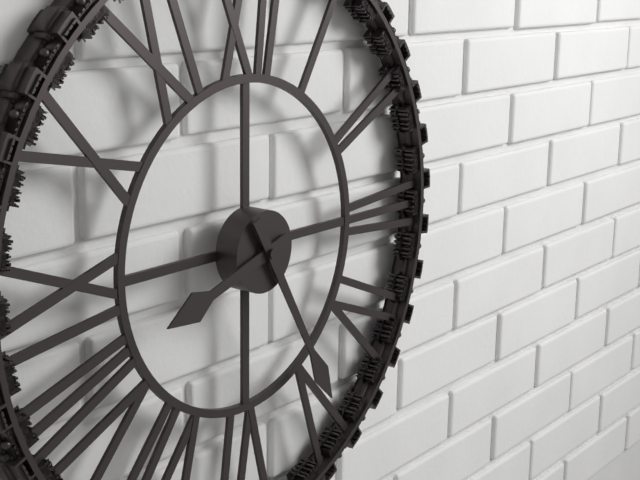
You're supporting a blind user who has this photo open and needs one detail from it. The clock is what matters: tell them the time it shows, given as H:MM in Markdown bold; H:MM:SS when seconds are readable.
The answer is **8:25**
